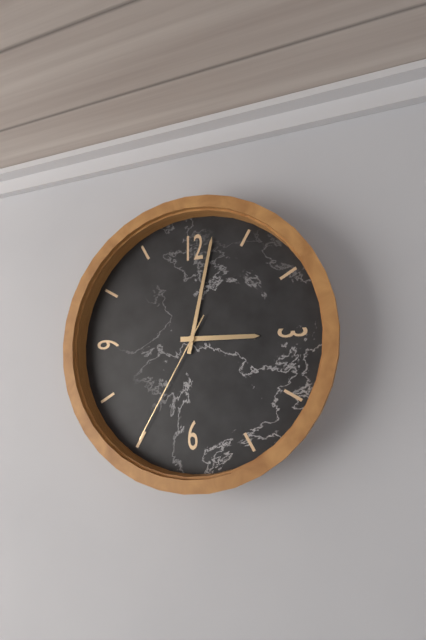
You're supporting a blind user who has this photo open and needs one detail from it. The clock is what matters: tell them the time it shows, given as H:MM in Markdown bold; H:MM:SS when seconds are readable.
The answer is **3:02:35**
